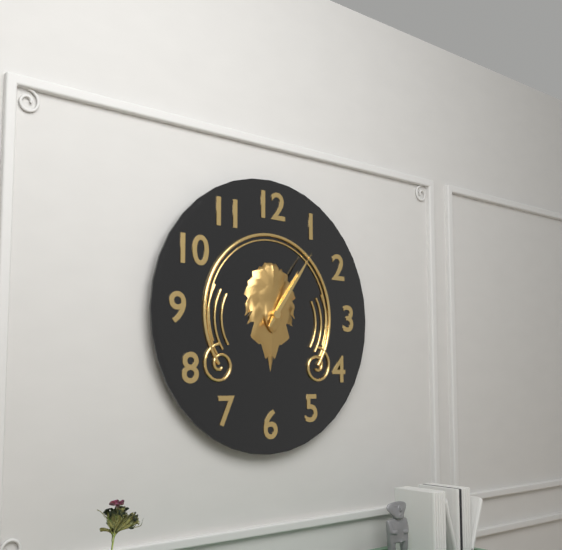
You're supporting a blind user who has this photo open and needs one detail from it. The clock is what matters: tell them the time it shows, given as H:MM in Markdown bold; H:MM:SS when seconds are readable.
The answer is **1:06**
